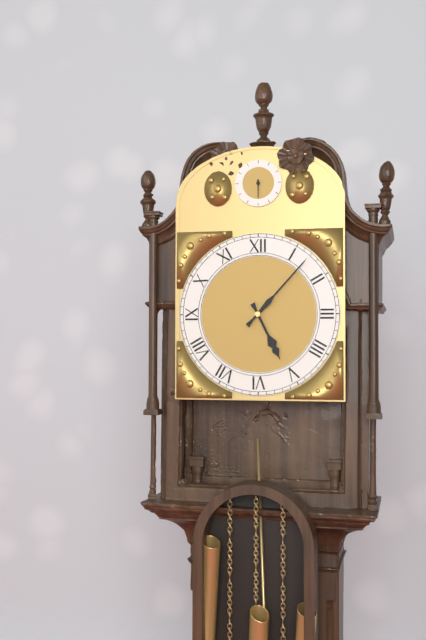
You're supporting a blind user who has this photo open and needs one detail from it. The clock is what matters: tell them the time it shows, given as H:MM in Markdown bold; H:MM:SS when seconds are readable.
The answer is **5:07**
